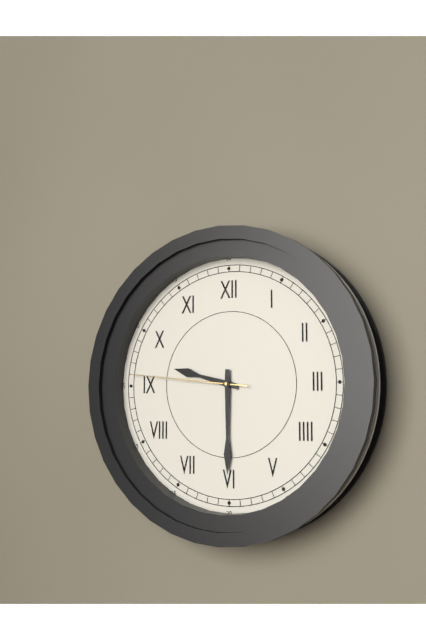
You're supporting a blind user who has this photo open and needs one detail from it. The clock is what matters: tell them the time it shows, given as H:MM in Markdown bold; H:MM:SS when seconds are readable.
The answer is **9:30:46**
